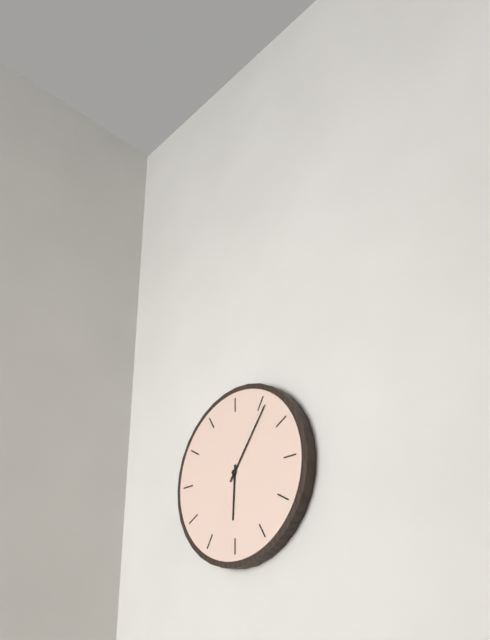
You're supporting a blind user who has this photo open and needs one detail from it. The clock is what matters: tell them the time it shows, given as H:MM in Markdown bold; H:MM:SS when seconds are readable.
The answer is **6:06**
